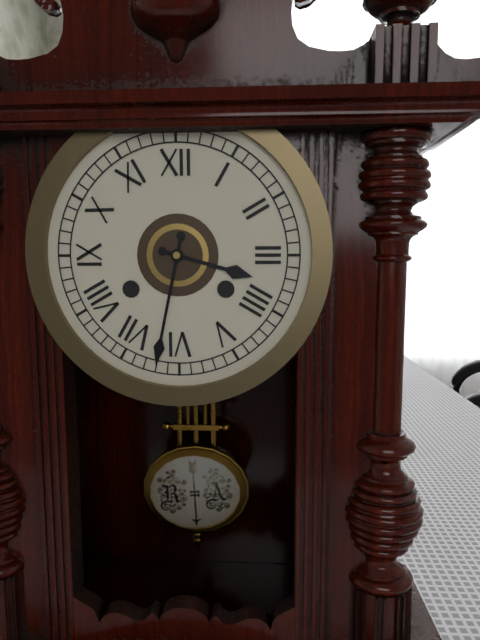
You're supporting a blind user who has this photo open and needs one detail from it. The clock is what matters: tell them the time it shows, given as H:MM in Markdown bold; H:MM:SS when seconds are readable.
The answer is **3:32**
